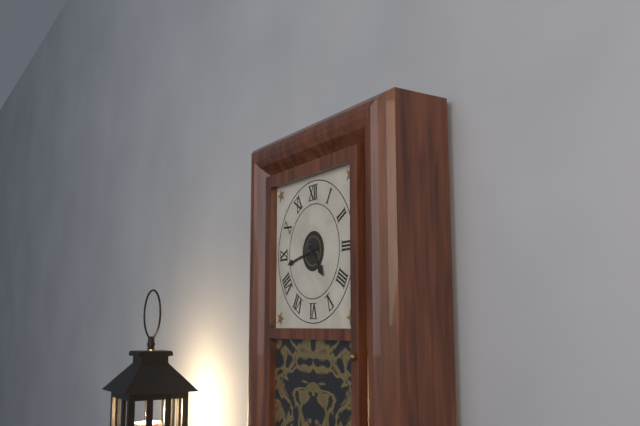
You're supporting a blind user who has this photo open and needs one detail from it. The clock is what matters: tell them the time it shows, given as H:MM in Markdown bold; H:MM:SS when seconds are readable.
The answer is **4:43**
